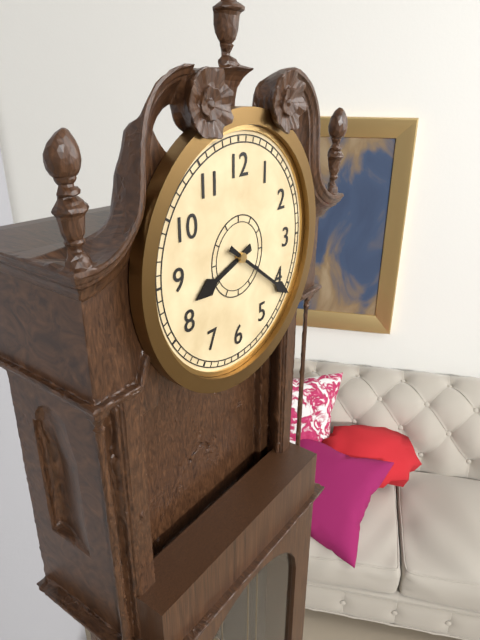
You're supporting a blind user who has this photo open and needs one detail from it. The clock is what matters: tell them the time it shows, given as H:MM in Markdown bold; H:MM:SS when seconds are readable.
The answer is **8:21**
